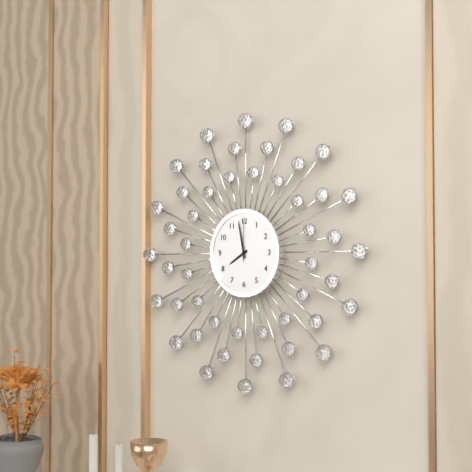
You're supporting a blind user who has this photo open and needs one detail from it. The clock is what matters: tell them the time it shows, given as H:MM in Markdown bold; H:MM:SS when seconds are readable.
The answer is **7:58**
